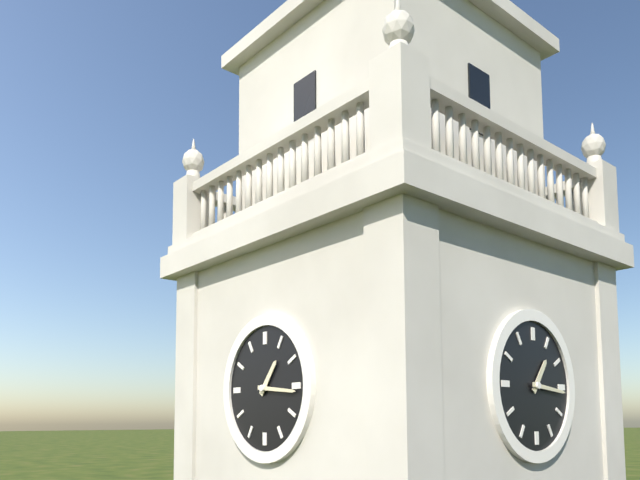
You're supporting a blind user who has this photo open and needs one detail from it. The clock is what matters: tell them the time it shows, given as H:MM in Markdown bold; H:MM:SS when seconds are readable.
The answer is **1:16**
